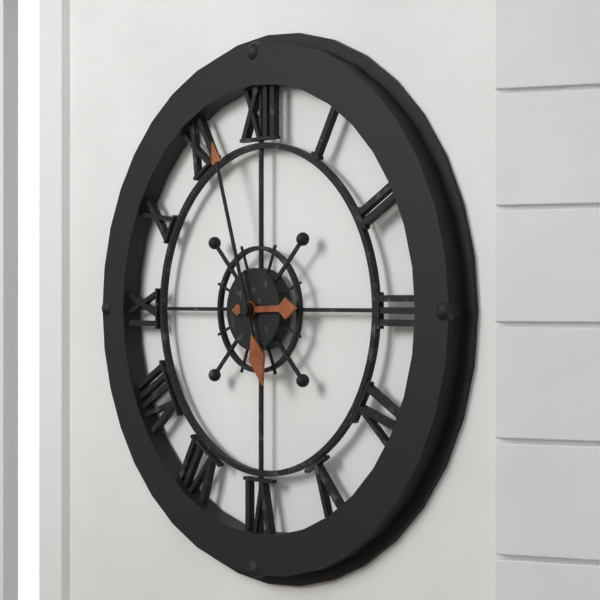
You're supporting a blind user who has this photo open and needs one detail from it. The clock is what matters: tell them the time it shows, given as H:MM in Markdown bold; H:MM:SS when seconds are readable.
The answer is **2:57**
